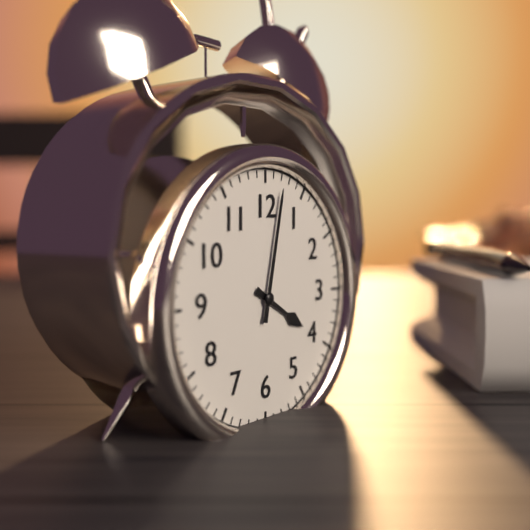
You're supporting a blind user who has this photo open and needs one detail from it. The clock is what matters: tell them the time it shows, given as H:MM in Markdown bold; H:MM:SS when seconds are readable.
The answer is **4:02**
